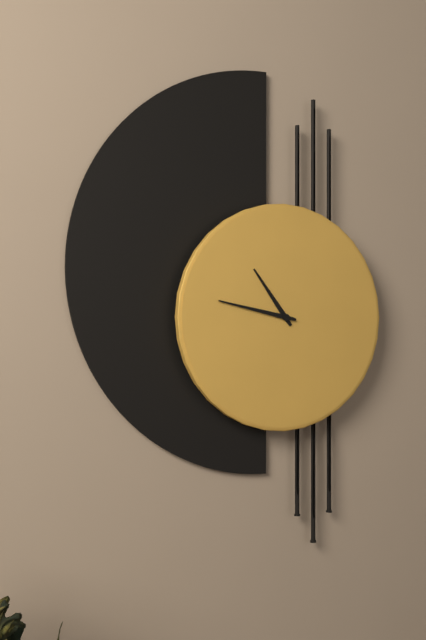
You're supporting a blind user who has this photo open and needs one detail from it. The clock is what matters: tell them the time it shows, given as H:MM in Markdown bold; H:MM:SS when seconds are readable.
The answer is **10:47**
